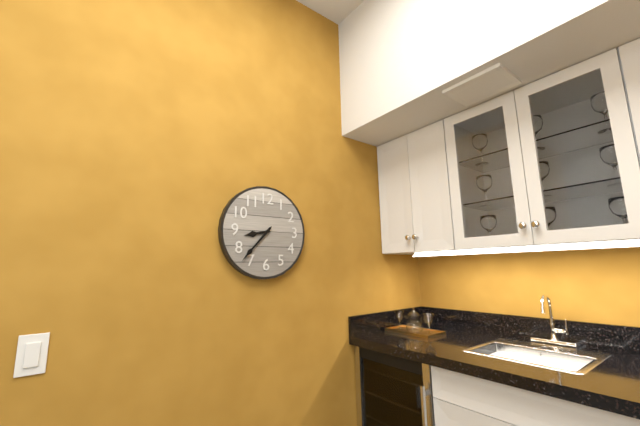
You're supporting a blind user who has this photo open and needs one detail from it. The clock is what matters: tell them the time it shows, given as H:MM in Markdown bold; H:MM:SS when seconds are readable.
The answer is **8:37**
